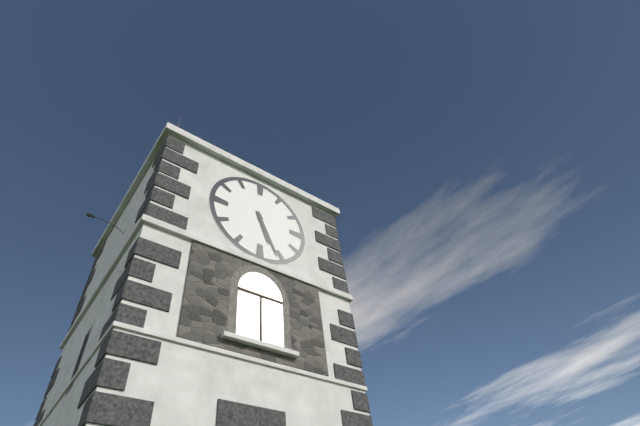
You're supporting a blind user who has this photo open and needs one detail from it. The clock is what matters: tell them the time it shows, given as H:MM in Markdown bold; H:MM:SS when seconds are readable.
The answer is **5:26**
